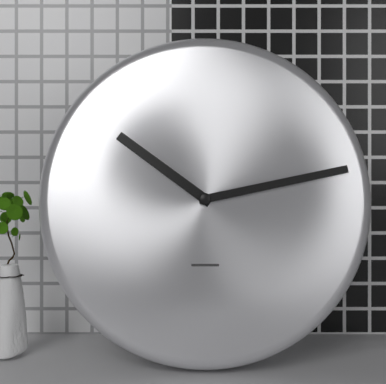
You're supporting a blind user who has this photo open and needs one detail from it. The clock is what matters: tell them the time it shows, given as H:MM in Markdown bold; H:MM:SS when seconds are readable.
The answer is **10:13**
